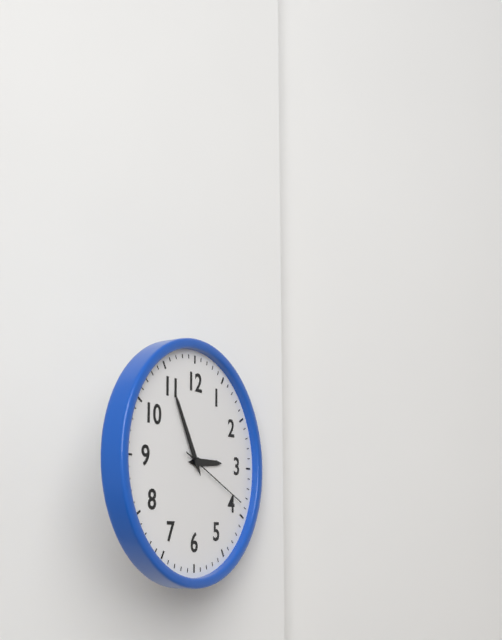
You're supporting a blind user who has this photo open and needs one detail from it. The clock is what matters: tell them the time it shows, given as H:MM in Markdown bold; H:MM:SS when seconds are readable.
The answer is **2:55:19**
